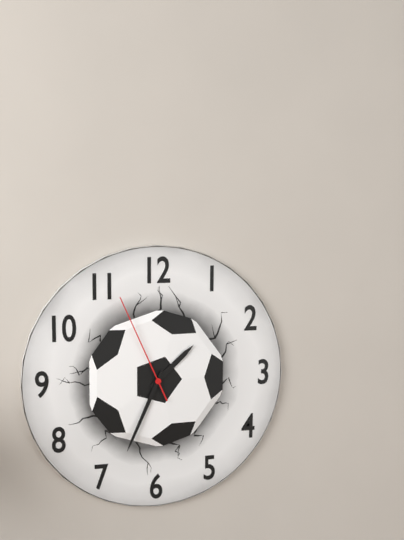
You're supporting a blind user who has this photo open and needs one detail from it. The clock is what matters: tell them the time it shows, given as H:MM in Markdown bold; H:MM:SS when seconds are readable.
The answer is **1:34:56**
